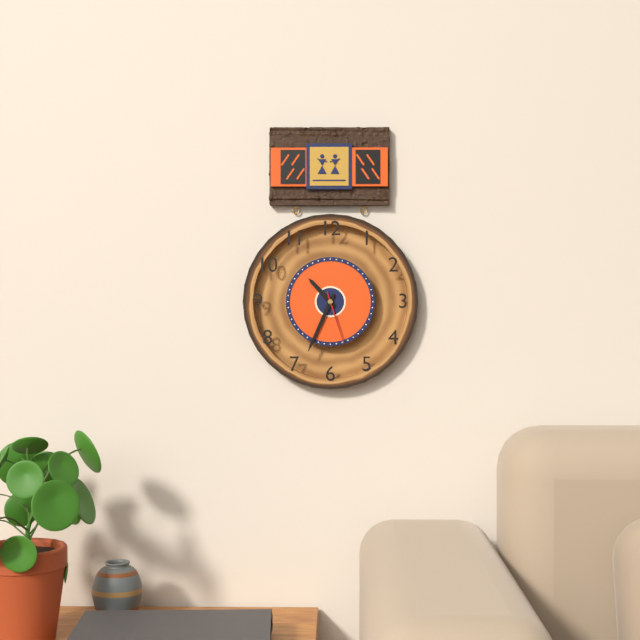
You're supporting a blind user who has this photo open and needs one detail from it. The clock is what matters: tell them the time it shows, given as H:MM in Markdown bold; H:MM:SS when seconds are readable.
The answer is **10:34:27**
